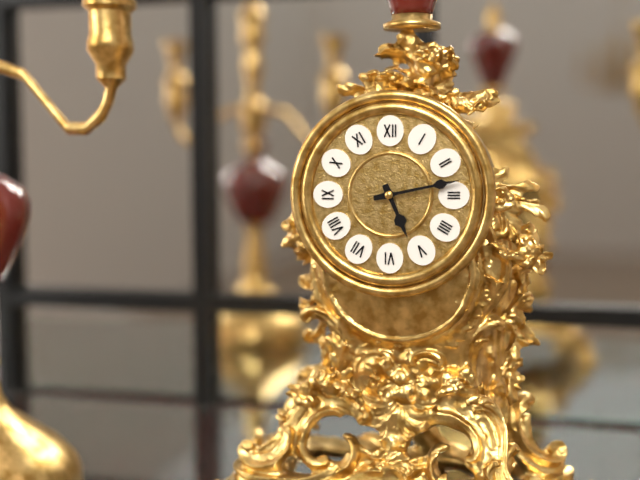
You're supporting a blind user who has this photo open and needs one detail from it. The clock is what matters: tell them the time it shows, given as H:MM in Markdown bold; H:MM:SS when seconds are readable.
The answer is **5:13**
